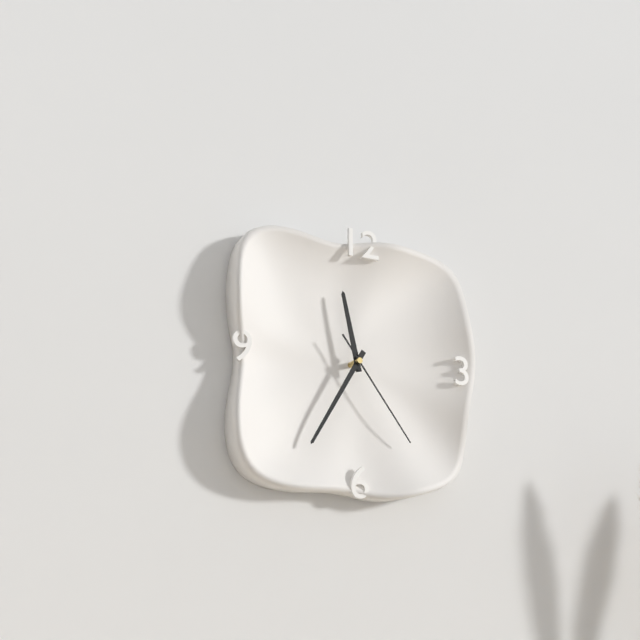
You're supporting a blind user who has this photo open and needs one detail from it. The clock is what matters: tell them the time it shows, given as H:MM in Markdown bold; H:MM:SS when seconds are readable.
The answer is **11:35:24**
